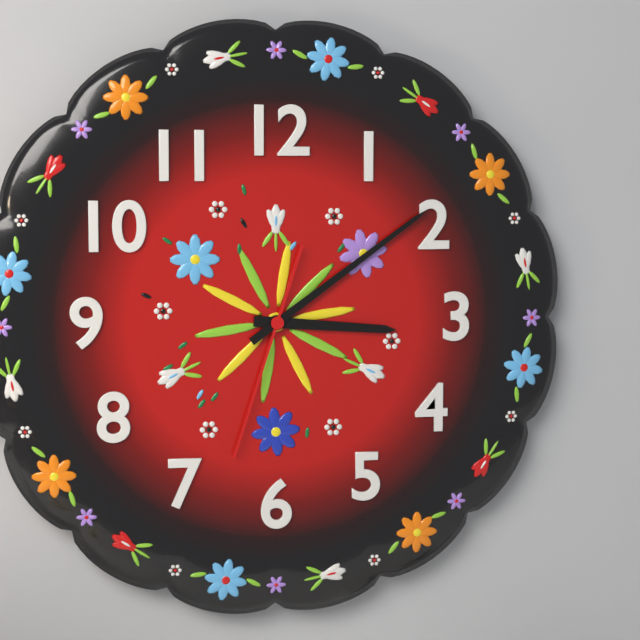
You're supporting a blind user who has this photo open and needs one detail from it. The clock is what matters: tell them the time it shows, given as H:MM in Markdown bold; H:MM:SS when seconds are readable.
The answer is **3:09:33**
